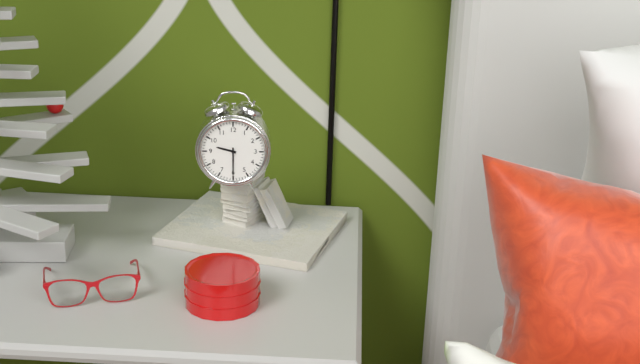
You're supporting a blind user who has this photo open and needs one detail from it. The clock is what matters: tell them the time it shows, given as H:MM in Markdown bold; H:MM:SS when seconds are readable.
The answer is **9:30**
